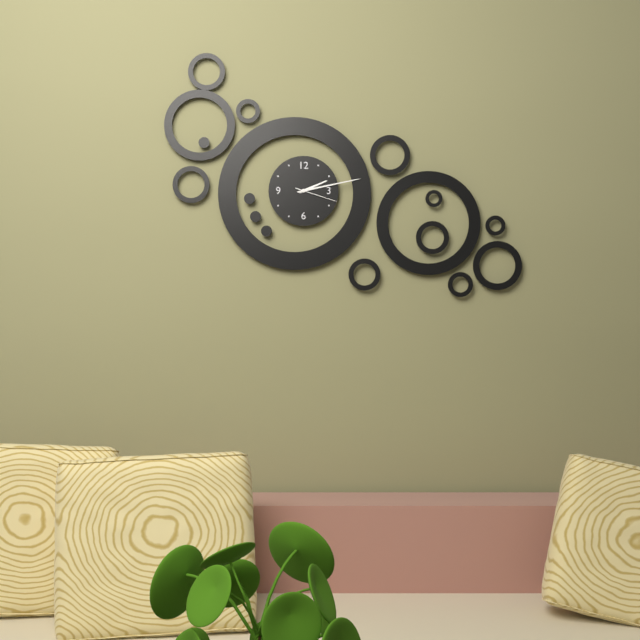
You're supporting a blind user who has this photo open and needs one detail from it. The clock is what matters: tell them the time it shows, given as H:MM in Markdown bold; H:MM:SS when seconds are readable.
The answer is **2:13**
